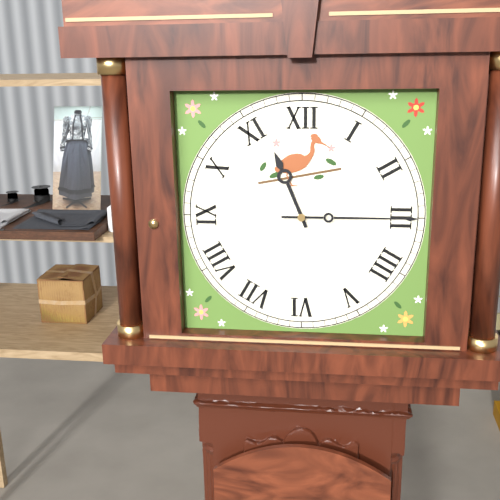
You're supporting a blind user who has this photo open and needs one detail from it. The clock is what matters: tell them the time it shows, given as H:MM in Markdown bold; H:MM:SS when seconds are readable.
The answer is **11:15**
